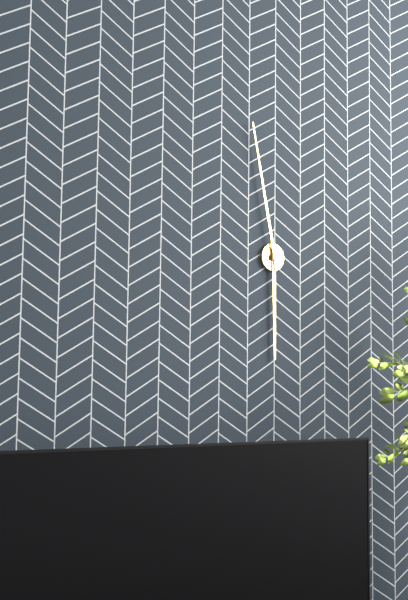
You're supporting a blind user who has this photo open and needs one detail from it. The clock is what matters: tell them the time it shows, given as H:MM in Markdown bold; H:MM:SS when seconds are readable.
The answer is **5:58**
